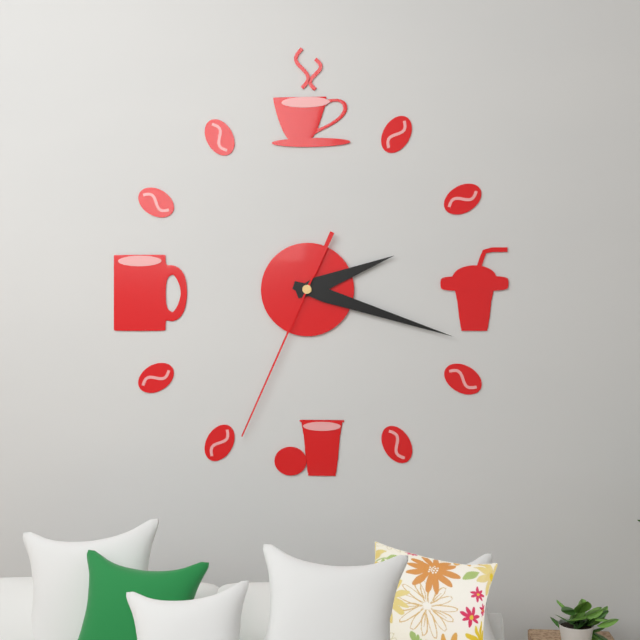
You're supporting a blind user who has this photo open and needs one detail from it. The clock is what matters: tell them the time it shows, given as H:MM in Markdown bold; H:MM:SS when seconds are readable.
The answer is **2:18:34**
